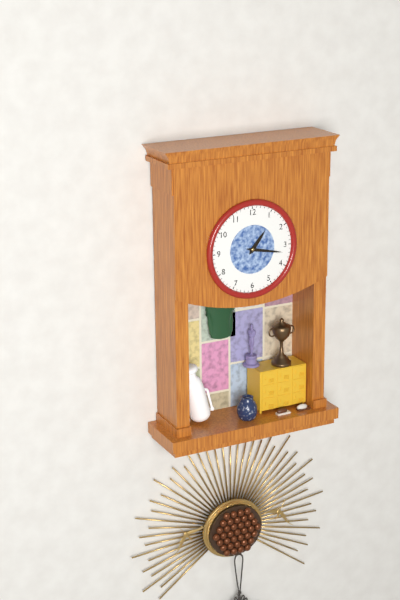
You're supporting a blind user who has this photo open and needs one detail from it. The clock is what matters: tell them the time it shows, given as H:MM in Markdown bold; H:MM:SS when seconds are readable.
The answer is **1:17**
